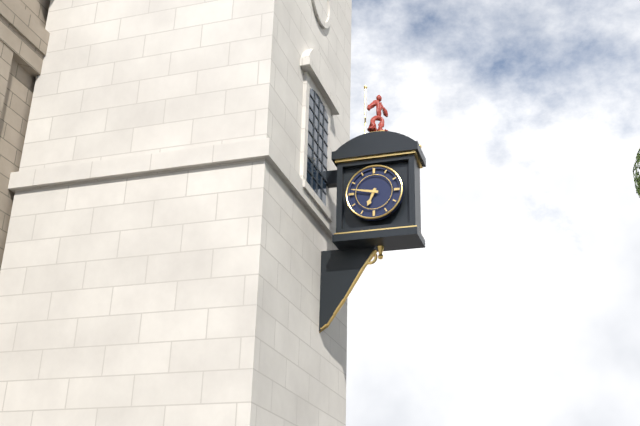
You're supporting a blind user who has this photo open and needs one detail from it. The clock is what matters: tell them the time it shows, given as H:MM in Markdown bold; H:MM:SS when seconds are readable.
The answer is **6:47**
